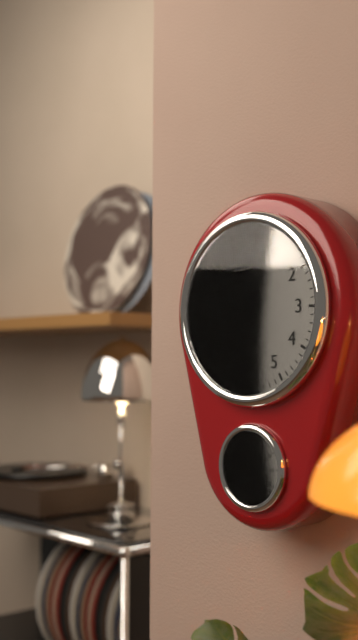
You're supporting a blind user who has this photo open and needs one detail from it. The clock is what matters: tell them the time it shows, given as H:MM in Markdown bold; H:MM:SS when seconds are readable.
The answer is **10:34:41**
